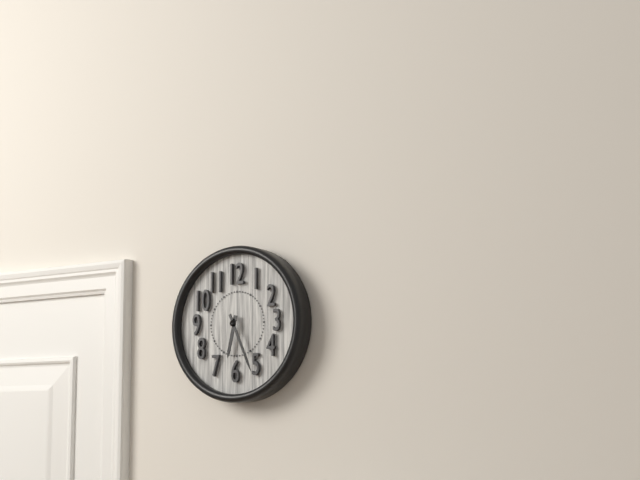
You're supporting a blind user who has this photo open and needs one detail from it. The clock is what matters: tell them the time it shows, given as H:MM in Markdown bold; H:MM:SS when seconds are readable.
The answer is **6:26**
